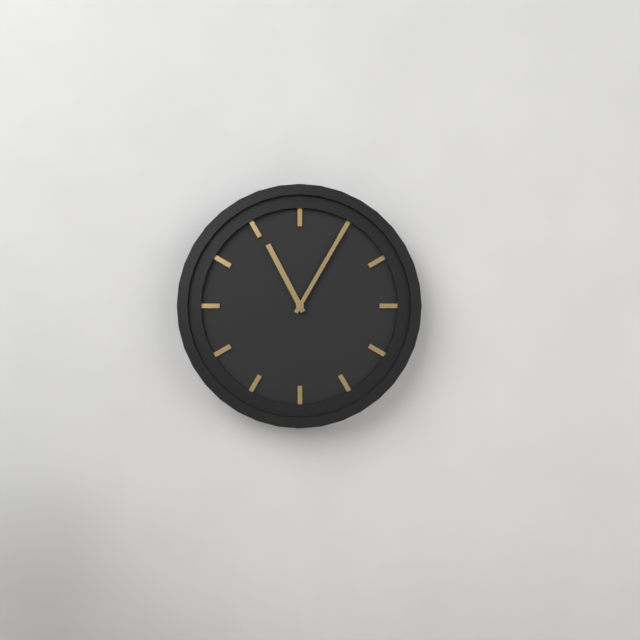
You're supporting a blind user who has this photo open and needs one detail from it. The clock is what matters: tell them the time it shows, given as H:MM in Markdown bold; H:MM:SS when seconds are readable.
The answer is **11:05**
